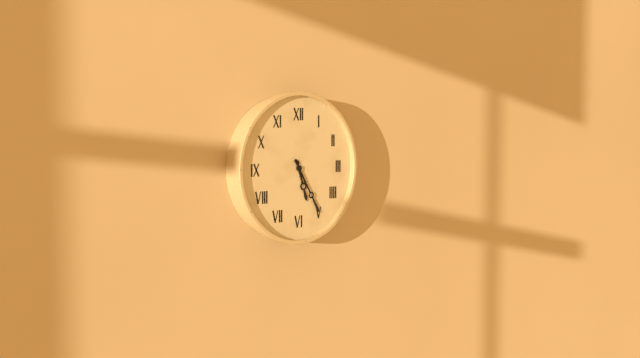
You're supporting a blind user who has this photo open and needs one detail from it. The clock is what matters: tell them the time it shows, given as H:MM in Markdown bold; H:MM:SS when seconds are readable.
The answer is **5:25**
